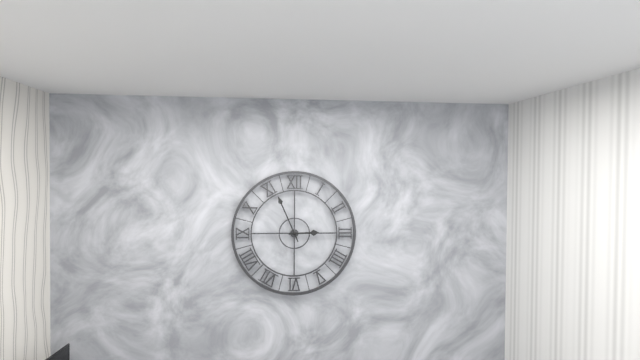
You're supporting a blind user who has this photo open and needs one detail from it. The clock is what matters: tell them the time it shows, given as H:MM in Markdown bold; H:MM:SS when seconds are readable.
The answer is **2:56**
